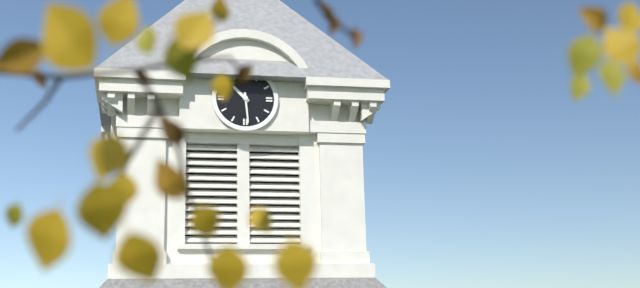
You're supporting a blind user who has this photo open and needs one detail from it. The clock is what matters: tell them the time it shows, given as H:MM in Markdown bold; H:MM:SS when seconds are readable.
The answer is **10:29**
